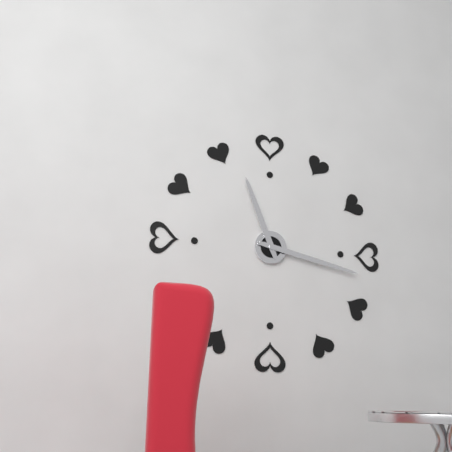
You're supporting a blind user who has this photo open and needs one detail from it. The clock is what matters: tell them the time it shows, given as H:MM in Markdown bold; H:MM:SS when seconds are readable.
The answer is **11:17**
